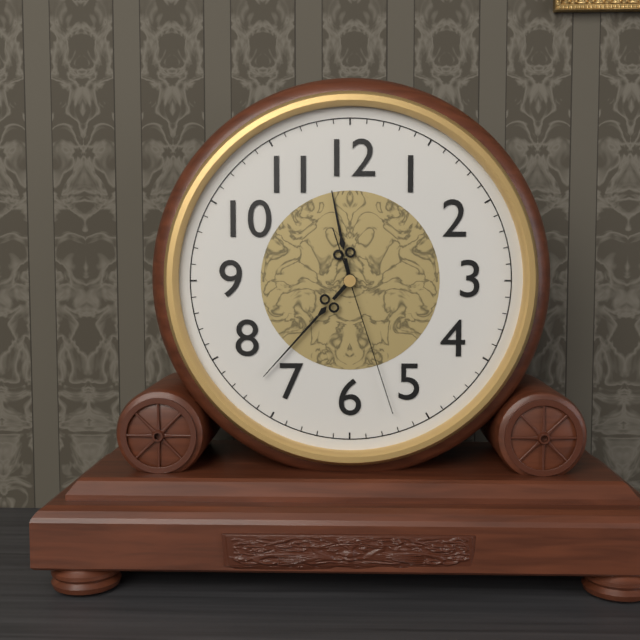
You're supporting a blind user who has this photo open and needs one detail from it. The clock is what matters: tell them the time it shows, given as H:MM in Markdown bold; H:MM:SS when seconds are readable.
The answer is **11:37:27**
